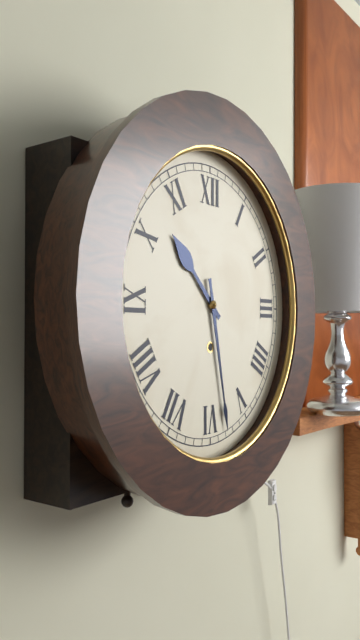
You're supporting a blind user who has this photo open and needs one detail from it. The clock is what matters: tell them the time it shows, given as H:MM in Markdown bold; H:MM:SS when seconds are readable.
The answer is **10:28**
